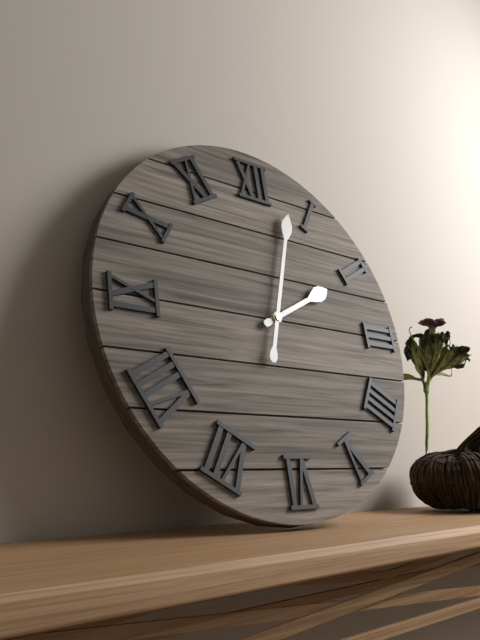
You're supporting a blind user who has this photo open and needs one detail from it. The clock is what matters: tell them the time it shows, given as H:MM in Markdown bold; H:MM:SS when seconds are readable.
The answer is **2:03**
